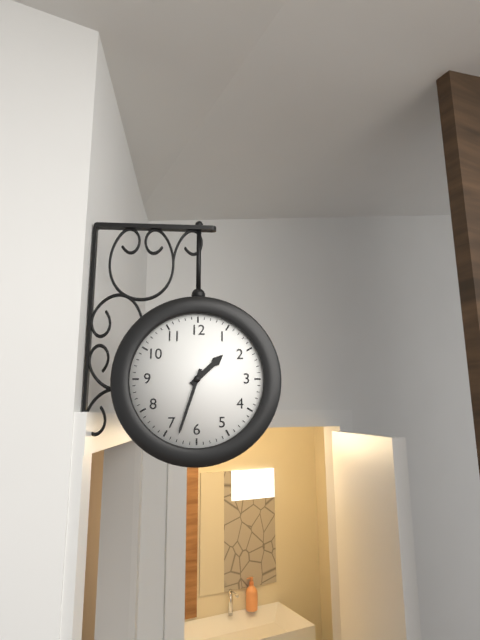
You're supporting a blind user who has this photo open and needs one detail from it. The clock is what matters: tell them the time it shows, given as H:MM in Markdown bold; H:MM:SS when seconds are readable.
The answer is **1:33**
